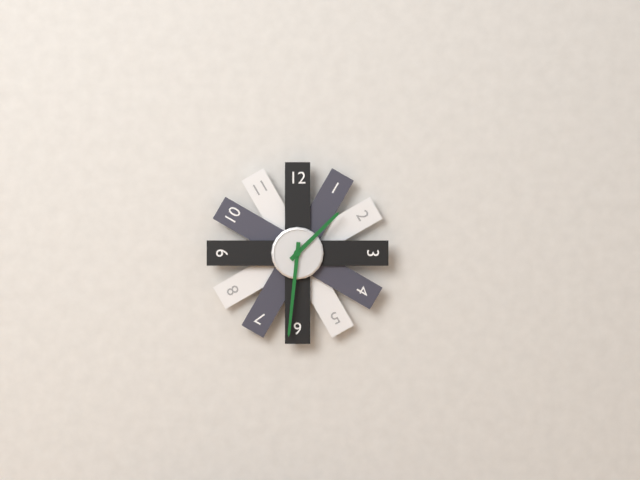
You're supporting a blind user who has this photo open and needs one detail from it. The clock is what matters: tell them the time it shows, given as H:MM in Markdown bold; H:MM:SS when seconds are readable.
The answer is **1:31**
